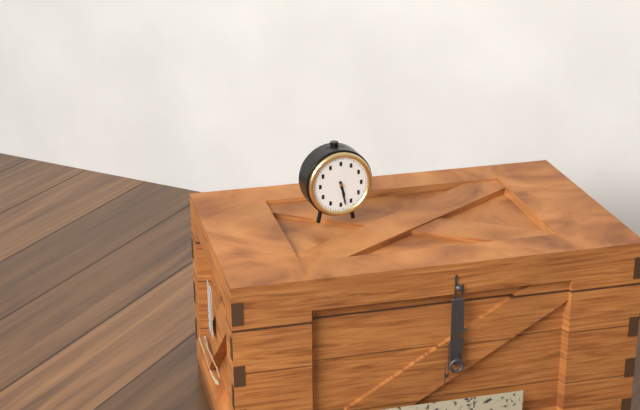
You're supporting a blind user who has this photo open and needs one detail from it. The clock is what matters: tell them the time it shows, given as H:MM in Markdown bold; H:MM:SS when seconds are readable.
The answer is **5:28**
